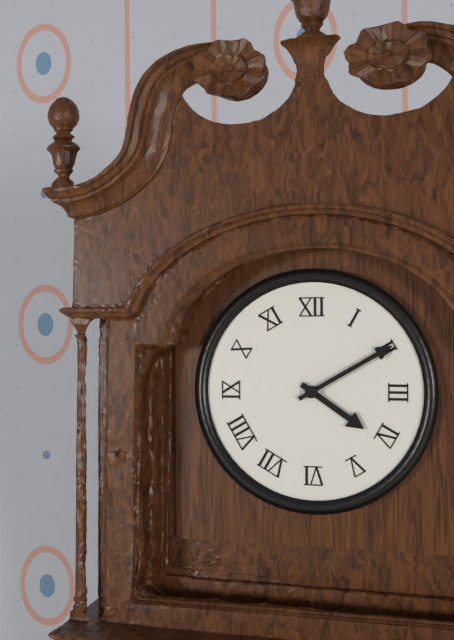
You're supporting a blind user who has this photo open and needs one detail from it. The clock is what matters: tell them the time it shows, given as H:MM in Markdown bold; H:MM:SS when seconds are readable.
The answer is **4:10**
